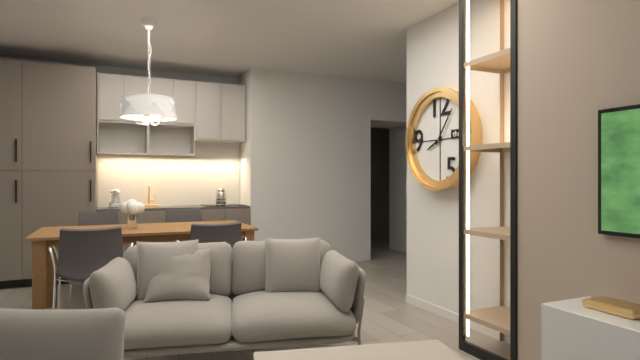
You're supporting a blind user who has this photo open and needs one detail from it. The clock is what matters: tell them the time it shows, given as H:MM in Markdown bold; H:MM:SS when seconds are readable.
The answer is **8:06**
